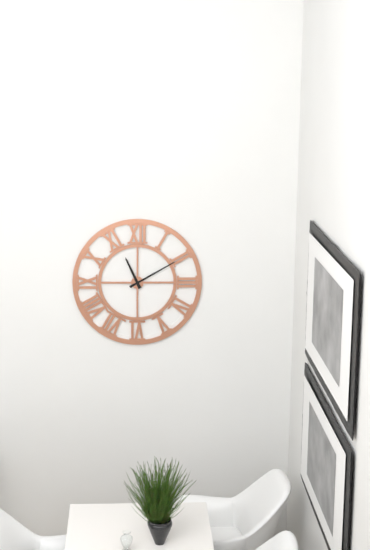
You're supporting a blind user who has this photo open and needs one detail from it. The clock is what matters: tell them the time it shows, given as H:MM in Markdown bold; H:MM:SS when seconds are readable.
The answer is **11:10**
